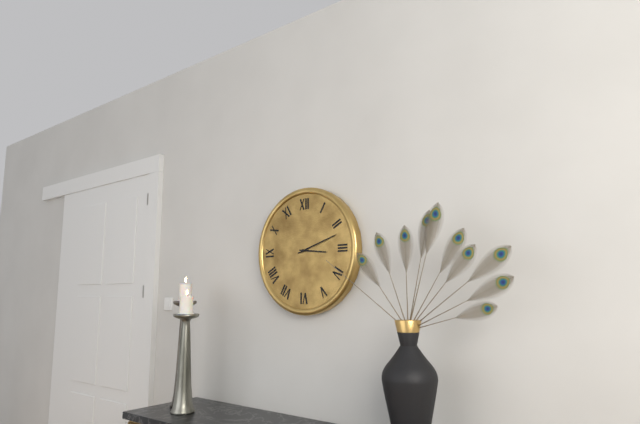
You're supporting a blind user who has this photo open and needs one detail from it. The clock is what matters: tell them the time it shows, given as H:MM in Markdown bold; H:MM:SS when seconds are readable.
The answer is **3:12**
